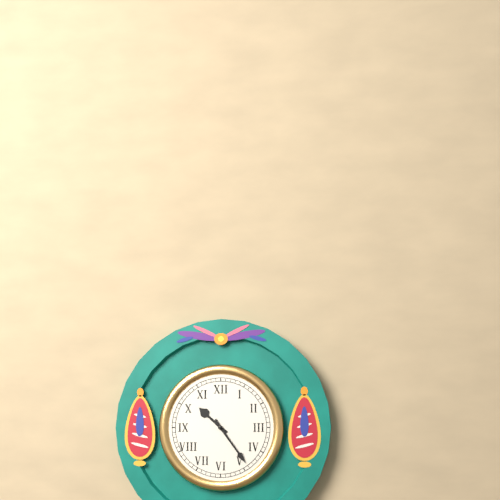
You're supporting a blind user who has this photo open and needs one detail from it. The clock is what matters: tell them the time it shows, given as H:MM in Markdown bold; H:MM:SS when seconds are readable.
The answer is **10:24**
